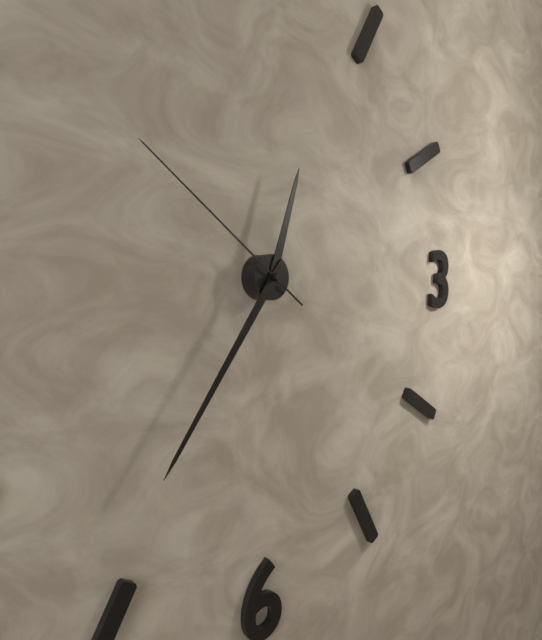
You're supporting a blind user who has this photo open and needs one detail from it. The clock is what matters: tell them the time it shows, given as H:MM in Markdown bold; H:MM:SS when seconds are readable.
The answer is **12:36:51**
